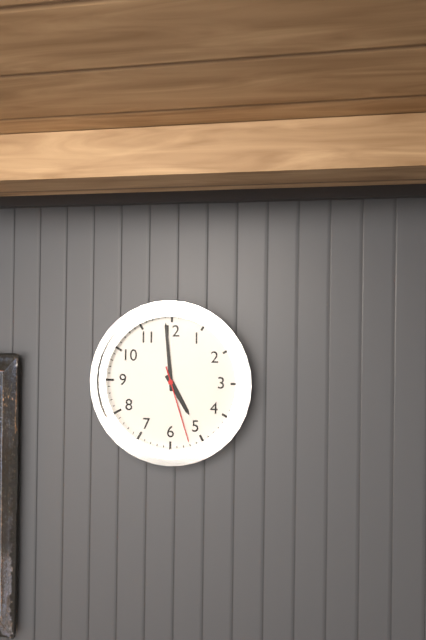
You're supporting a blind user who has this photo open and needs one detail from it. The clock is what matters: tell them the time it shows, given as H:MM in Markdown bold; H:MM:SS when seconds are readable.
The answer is **4:59:27**
